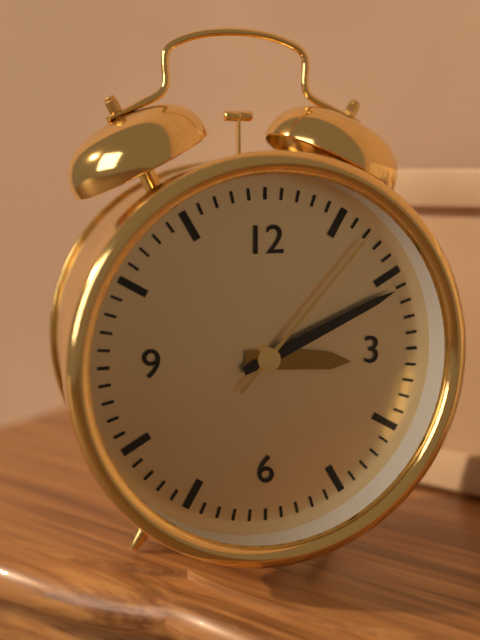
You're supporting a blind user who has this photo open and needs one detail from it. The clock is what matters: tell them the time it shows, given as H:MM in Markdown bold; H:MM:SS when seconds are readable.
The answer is **3:11:07**
